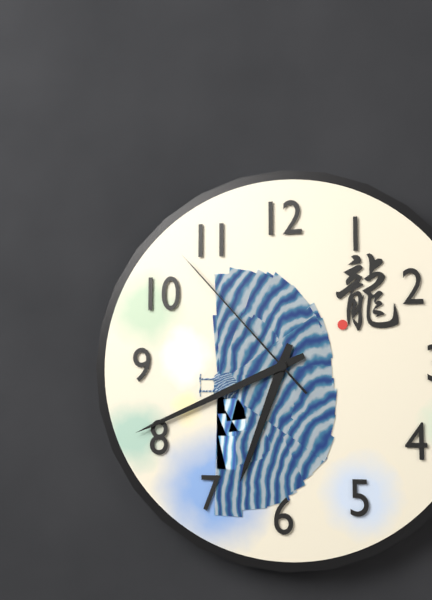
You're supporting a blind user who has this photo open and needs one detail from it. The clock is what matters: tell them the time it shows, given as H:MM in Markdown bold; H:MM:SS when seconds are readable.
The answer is **6:41:53**
